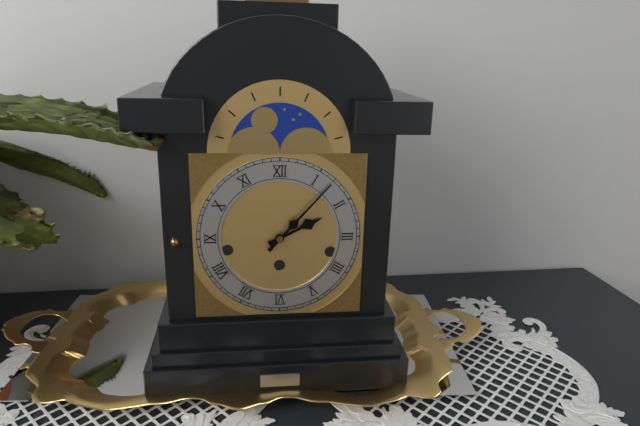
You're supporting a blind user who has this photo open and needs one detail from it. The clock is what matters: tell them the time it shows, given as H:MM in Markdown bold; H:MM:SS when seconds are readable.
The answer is **2:07**
